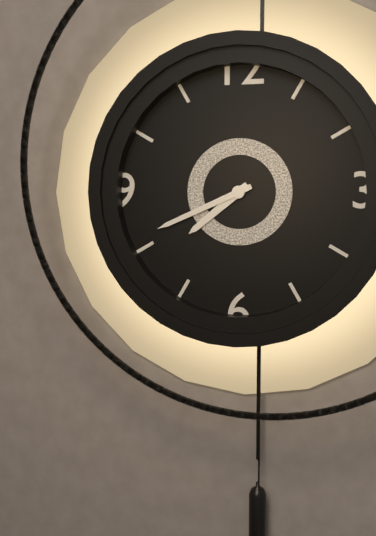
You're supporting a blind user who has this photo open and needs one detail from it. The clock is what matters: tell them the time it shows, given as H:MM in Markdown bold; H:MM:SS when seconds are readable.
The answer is **7:41**
